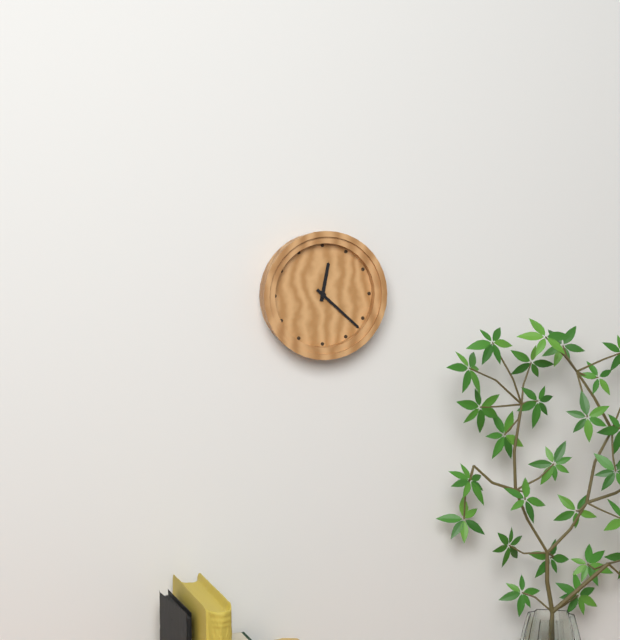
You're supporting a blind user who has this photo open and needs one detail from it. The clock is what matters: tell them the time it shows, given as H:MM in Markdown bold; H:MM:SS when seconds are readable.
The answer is **12:22**
